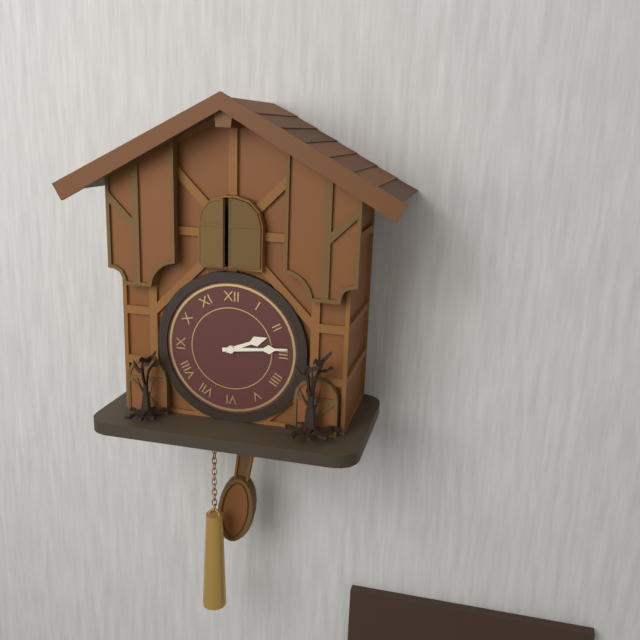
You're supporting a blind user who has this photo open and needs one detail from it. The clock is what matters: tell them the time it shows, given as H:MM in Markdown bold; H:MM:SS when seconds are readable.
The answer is **2:14**
